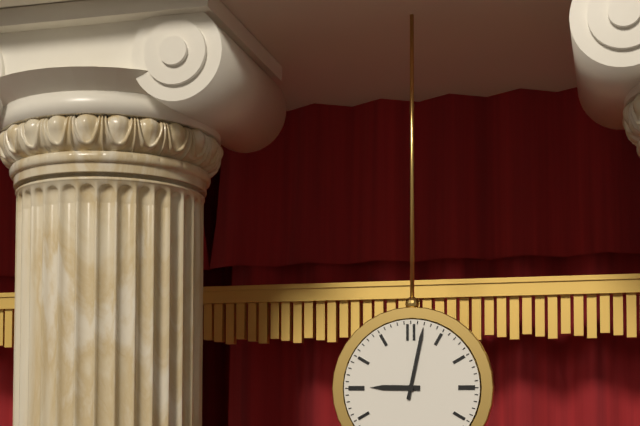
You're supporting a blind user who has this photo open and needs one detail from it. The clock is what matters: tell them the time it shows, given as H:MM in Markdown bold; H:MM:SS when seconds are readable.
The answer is **9:02**
